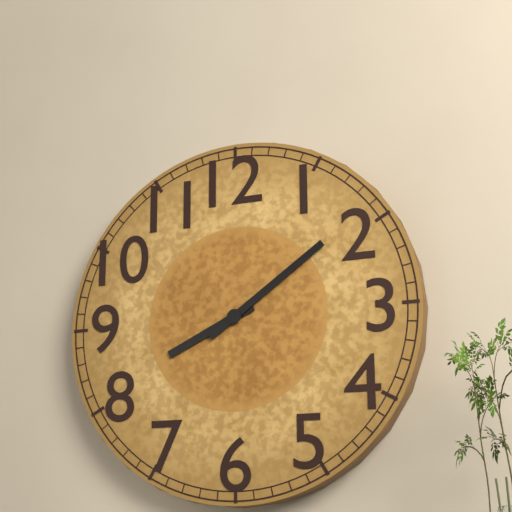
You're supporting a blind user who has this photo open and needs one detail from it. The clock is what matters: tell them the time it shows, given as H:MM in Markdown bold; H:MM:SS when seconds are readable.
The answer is **8:09**
